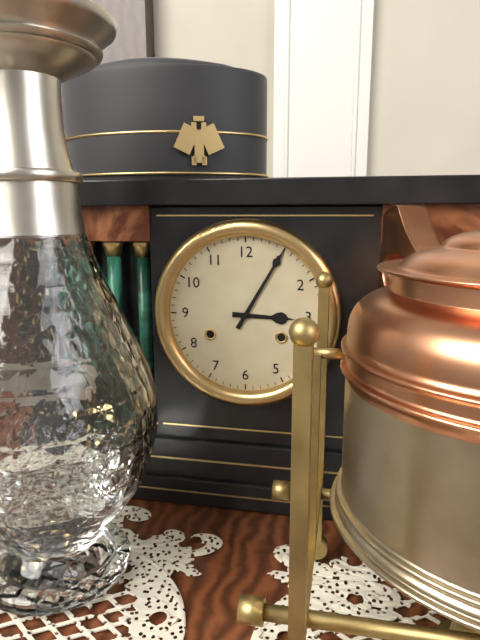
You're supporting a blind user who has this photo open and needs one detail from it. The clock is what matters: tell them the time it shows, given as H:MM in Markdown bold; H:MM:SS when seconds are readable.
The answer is **3:05**
